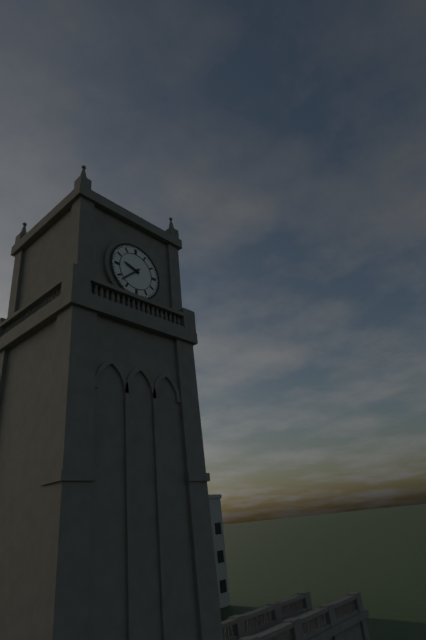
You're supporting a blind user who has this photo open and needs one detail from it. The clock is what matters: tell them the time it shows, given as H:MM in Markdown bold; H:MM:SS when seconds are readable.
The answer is **9:38**
